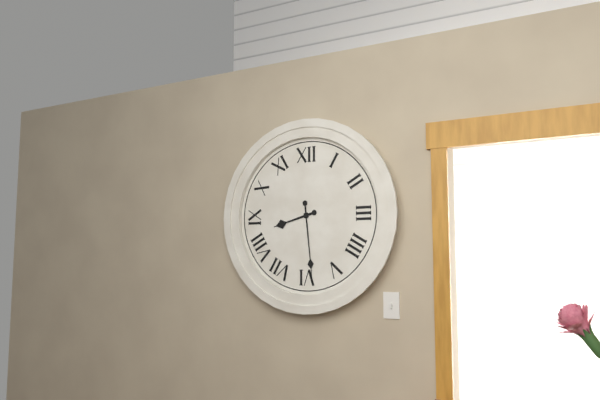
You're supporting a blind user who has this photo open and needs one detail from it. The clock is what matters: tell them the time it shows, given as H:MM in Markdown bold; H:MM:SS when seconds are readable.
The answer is **8:29**
